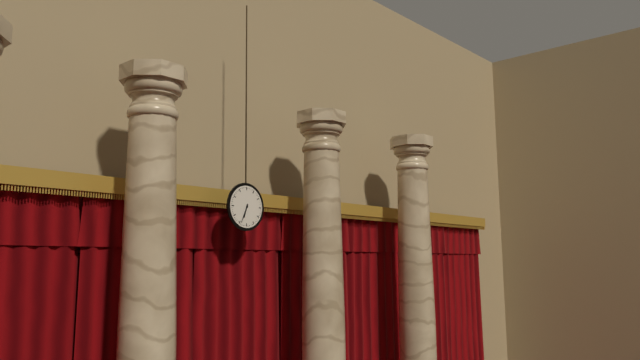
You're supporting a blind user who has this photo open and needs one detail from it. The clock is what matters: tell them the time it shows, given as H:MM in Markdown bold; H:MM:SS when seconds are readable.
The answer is **6:34**
